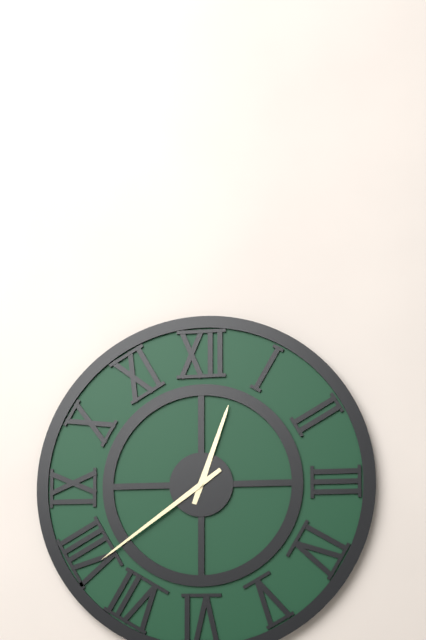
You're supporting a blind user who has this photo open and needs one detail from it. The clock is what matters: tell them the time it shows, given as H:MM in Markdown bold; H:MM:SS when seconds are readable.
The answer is **12:39**
